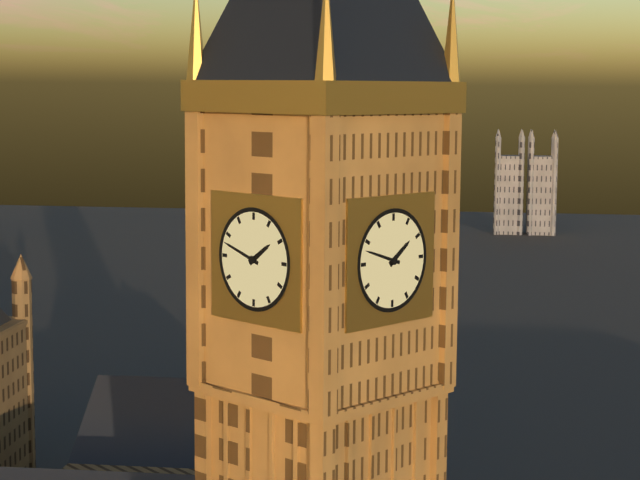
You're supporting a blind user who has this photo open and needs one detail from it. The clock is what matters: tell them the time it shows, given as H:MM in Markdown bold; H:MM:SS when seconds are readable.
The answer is **1:48**
